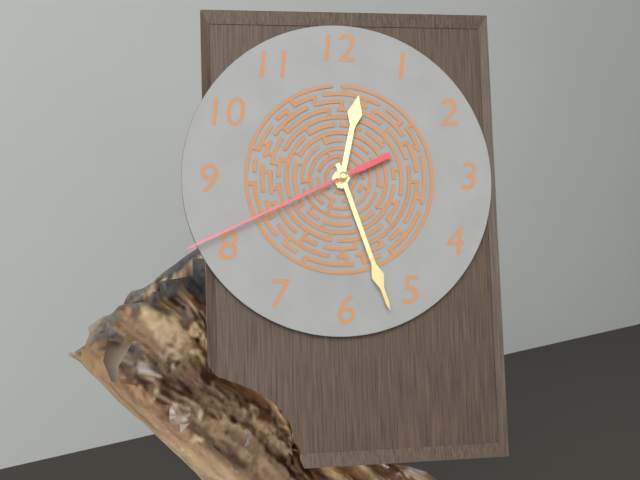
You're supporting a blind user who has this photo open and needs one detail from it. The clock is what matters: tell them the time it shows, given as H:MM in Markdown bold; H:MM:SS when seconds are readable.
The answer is **12:27:41**
